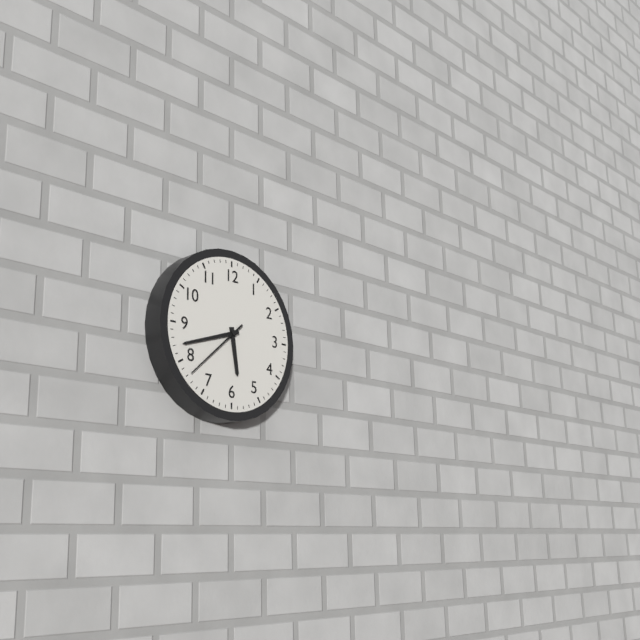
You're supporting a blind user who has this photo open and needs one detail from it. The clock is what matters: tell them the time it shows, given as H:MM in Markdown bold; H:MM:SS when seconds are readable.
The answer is **5:42:38**
